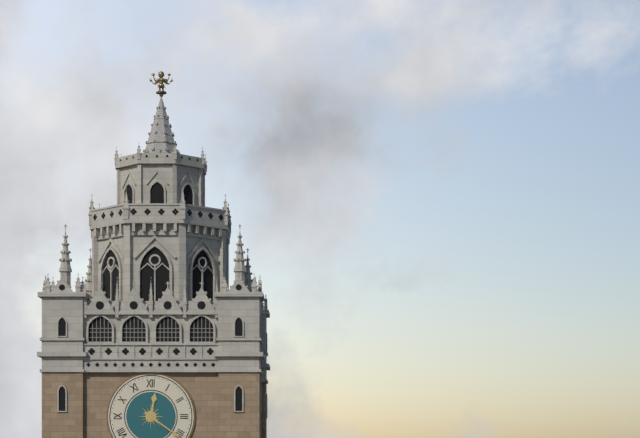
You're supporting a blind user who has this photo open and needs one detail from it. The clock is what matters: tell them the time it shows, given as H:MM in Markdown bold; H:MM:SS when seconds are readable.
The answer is **12:21**
